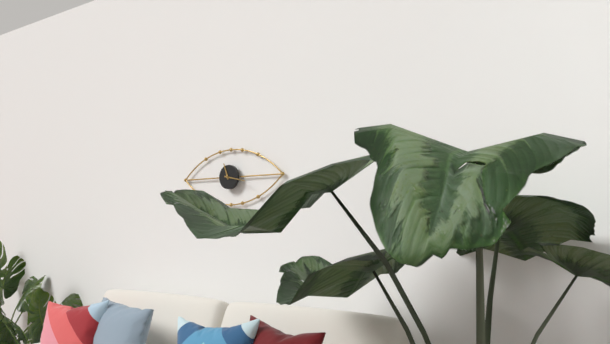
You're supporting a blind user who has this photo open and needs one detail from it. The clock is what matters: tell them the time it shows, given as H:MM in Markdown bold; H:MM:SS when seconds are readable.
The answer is **11:17**
